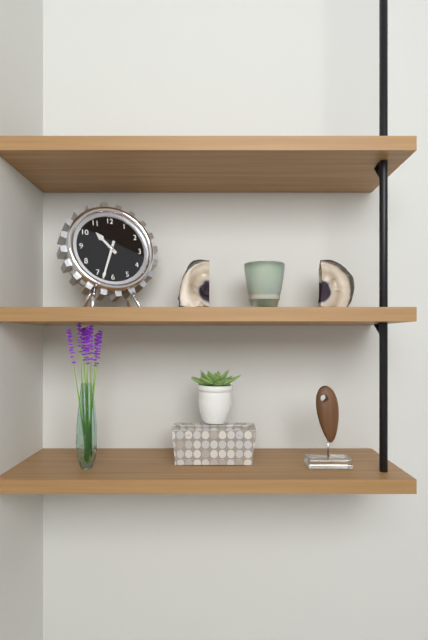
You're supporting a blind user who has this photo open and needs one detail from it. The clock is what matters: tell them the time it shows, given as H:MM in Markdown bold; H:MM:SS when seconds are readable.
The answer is **10:33**
